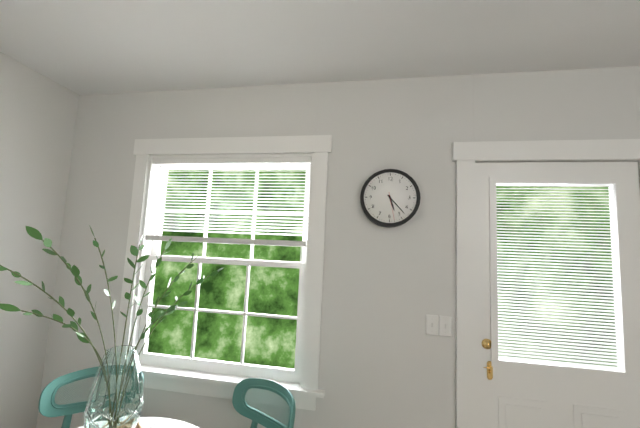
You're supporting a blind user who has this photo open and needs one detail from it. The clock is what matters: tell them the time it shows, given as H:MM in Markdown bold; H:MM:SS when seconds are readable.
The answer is **5:23**
